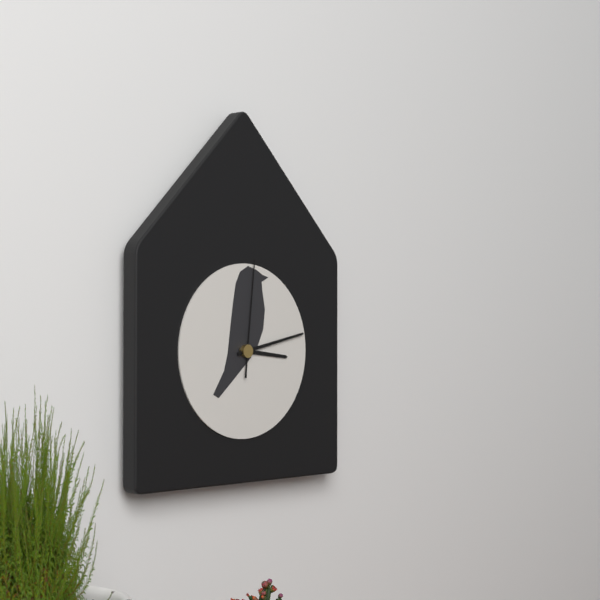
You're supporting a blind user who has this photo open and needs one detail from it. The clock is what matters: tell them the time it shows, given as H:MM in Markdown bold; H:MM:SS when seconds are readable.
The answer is **3:13:01**
